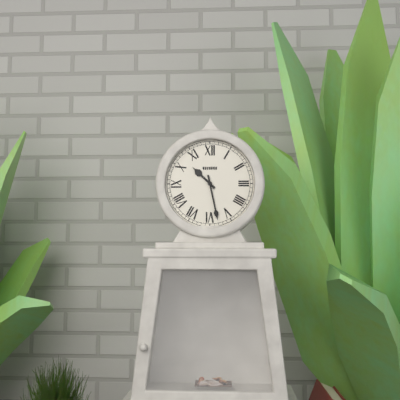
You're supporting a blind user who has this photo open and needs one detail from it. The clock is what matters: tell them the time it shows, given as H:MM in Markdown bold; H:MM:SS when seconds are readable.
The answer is **10:28**
